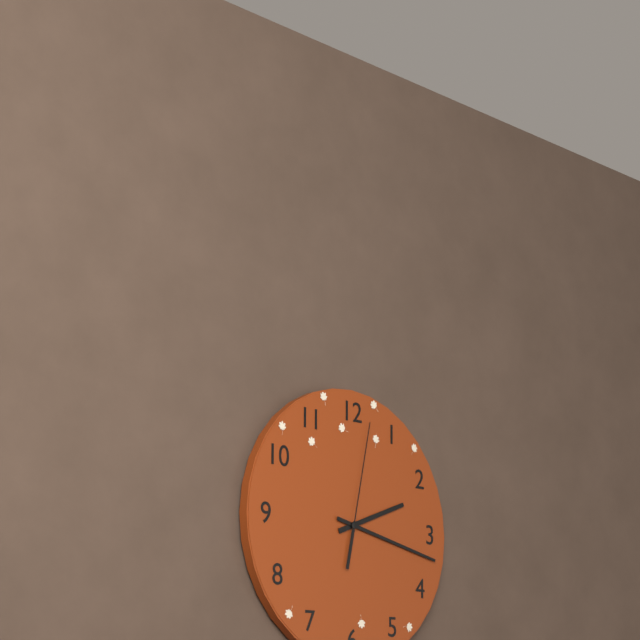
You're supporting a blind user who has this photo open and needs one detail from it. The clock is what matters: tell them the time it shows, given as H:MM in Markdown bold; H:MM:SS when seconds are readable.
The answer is **2:17:02**
